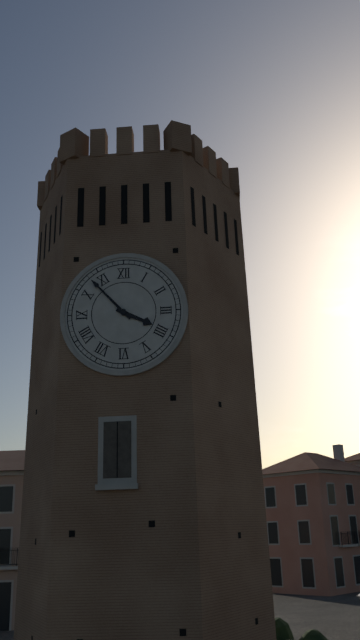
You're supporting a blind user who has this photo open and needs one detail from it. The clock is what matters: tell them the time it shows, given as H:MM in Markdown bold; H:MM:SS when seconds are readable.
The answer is **3:53**
